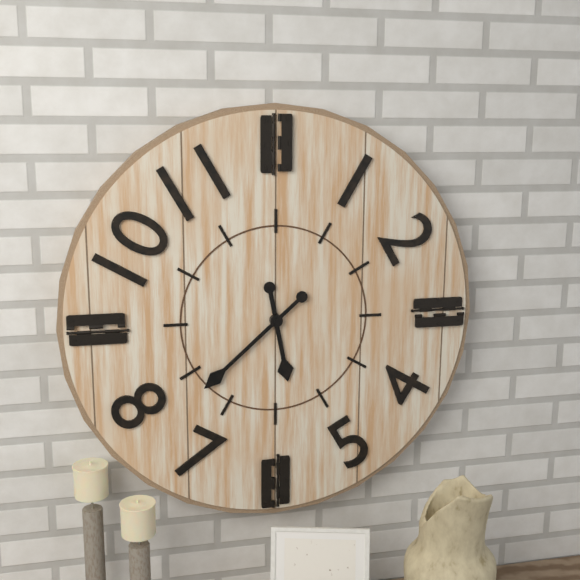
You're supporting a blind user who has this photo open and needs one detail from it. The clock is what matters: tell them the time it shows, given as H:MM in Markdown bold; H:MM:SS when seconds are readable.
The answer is **5:38**
